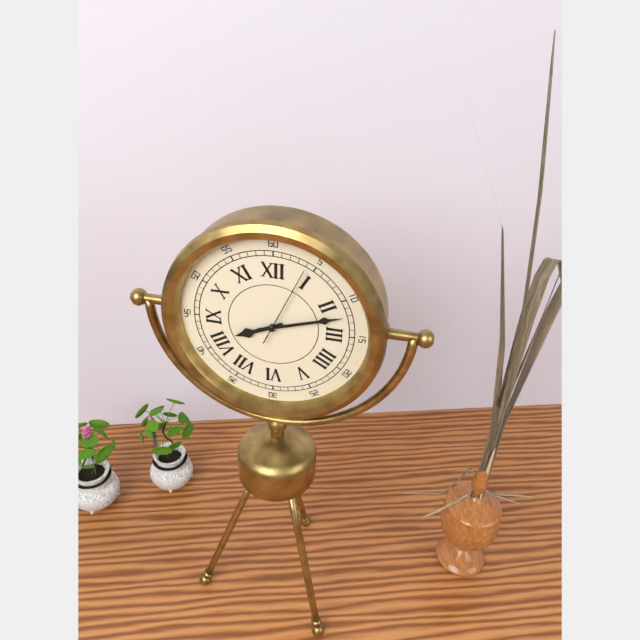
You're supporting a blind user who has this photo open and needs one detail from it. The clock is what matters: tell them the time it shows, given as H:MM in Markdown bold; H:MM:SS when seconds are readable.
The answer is **8:12:04**
